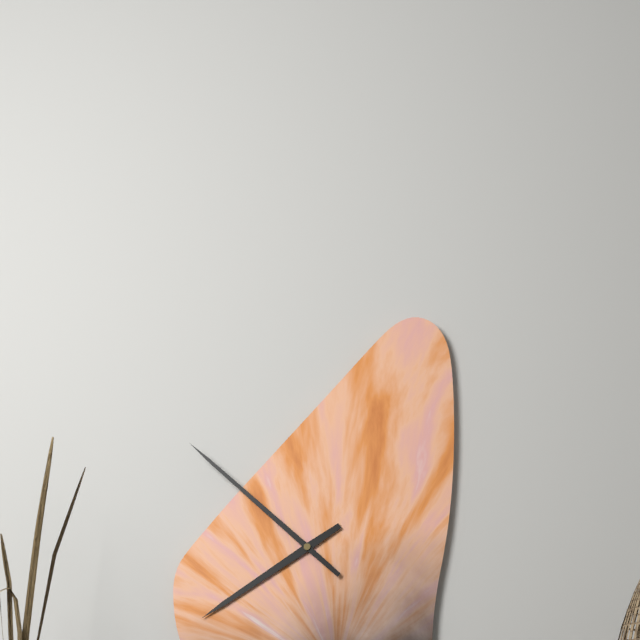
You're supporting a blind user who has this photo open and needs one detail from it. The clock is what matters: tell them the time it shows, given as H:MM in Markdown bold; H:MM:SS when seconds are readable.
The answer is **7:52**
